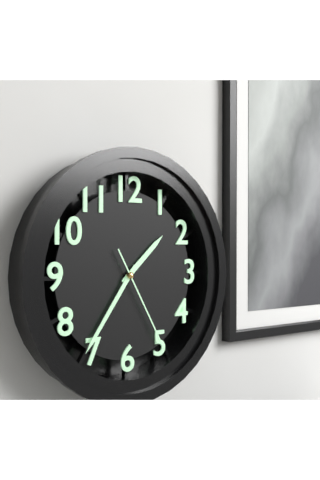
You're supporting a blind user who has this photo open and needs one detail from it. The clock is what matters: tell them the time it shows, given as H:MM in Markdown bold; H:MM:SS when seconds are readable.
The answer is **1:36:25**
